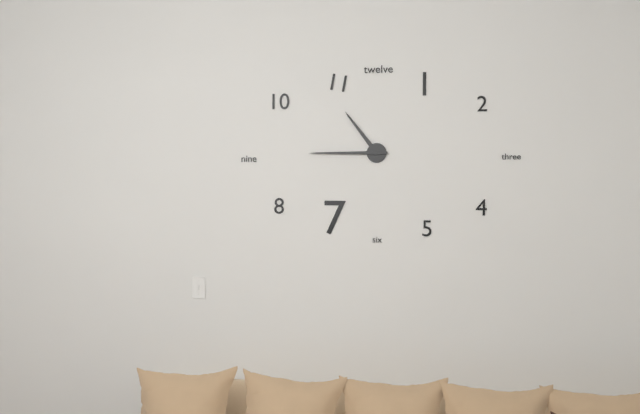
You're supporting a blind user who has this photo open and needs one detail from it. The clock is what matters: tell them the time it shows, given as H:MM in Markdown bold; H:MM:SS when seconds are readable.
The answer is **10:45**
